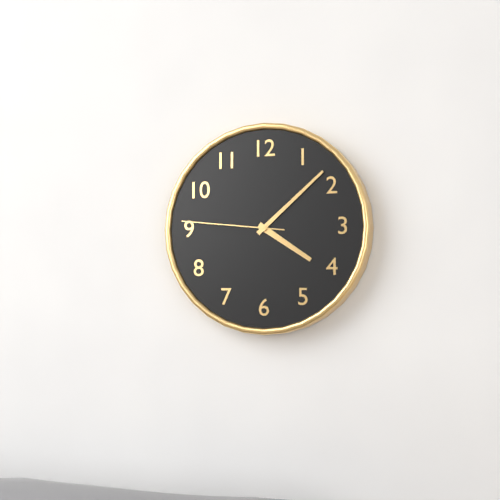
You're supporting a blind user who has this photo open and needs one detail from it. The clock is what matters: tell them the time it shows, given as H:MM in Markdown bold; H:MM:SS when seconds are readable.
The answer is **4:08:46**
